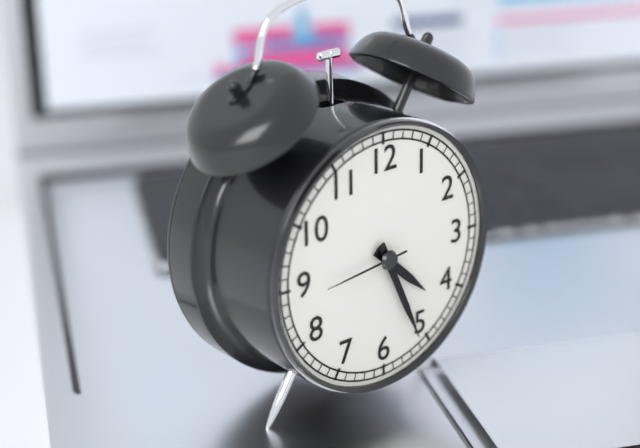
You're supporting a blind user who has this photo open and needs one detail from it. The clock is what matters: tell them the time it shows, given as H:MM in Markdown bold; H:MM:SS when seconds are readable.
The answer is **4:26:44**
